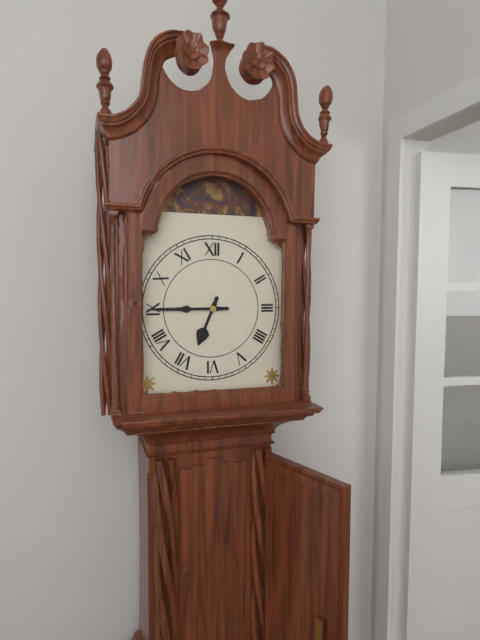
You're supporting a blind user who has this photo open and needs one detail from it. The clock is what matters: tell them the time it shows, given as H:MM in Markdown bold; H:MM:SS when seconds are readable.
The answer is **6:45**
